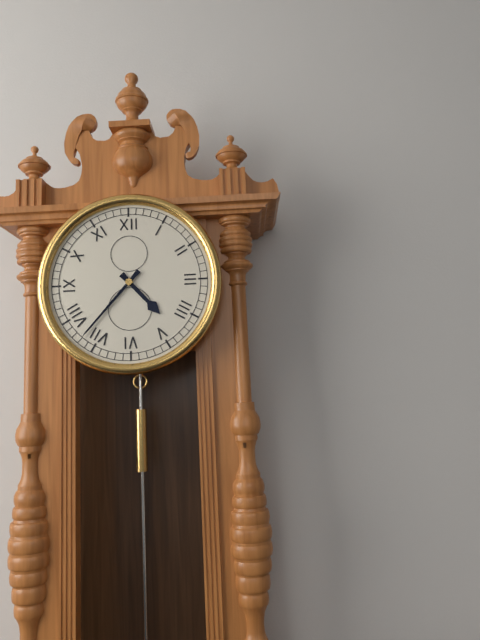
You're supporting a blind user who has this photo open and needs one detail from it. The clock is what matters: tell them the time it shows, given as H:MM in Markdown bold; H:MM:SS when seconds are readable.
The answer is **4:37**
